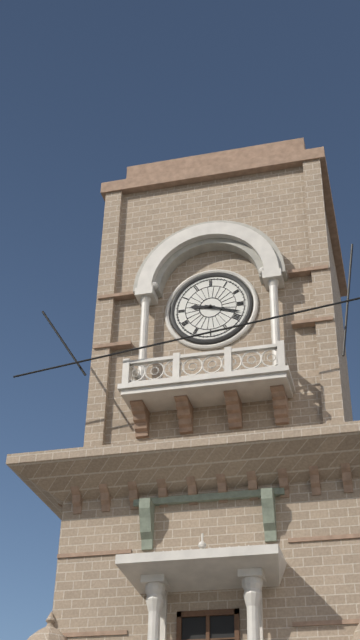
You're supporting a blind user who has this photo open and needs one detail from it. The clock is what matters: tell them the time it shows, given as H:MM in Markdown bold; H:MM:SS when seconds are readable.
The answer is **9:18**
